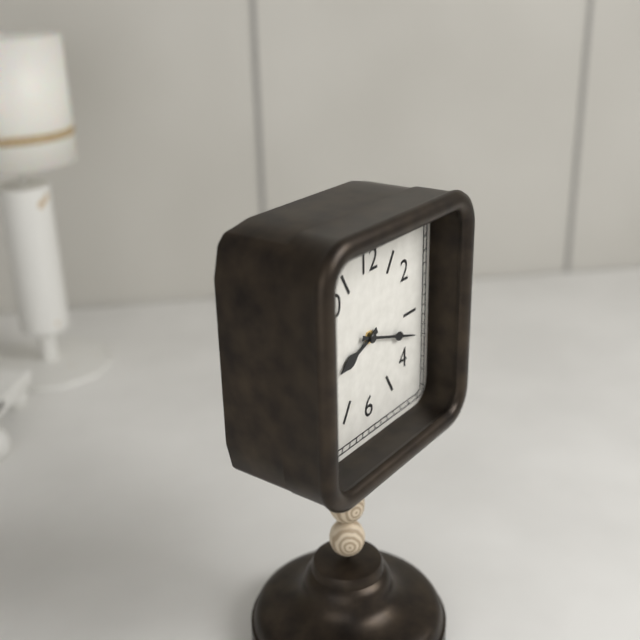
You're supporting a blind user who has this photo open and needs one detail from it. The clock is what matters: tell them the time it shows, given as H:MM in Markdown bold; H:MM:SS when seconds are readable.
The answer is **8:18**
